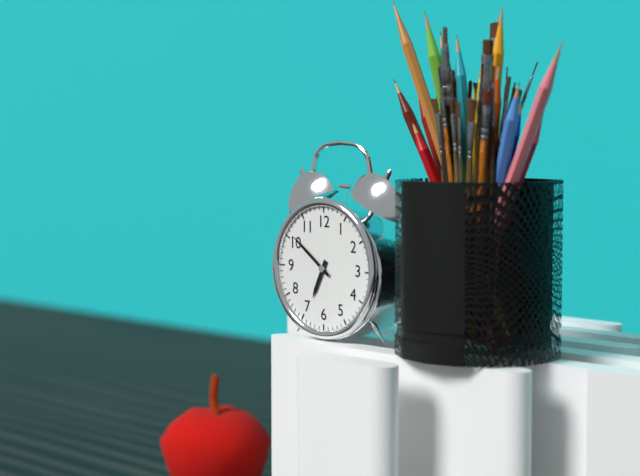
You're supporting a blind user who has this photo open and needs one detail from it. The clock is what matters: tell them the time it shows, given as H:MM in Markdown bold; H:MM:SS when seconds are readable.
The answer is **6:51**
